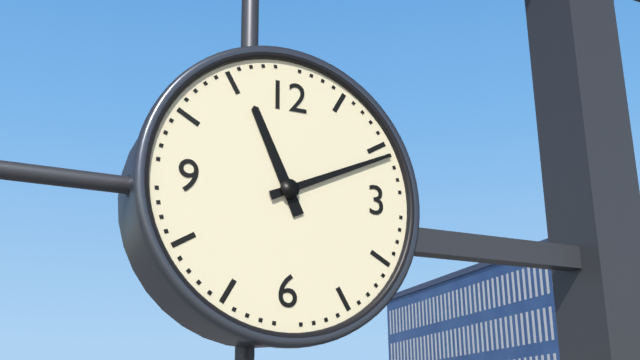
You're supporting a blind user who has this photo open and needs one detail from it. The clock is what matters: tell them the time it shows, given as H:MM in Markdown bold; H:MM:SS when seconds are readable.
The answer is **11:11**
